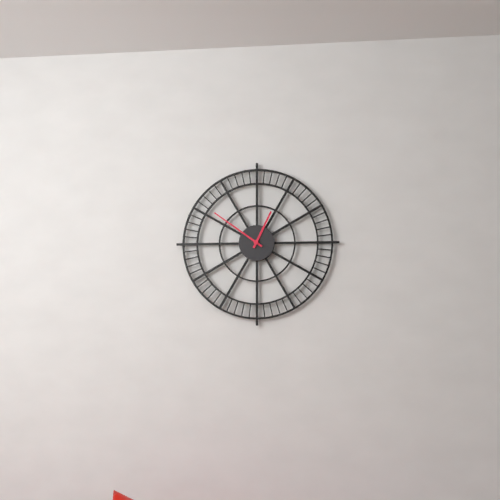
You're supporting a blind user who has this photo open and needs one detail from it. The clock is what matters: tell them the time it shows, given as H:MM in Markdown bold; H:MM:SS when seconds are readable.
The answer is **12:51**
